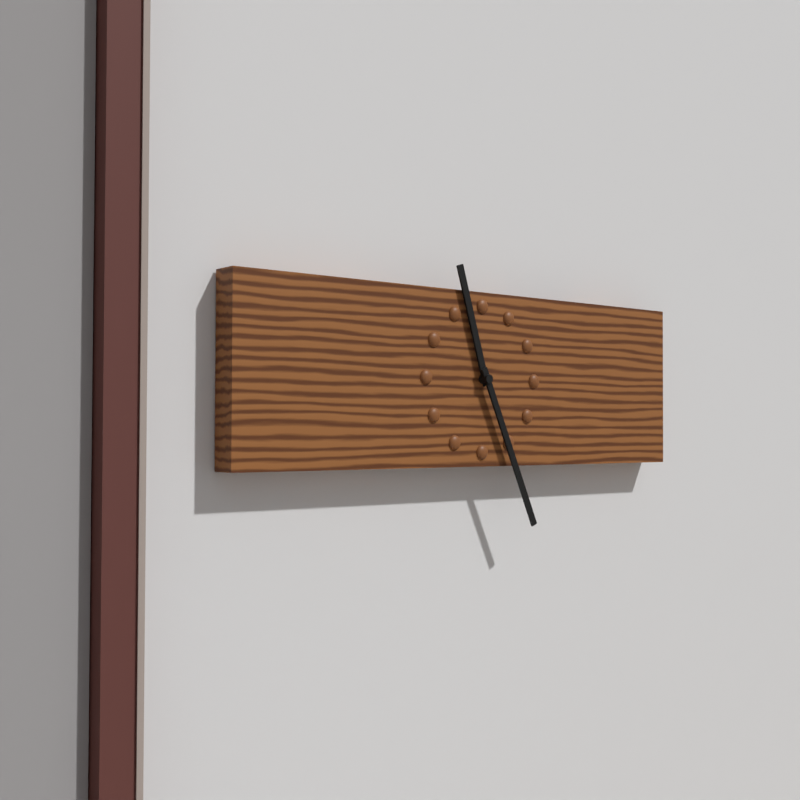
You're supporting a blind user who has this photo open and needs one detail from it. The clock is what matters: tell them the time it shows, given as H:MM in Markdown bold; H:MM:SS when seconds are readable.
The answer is **11:26**
